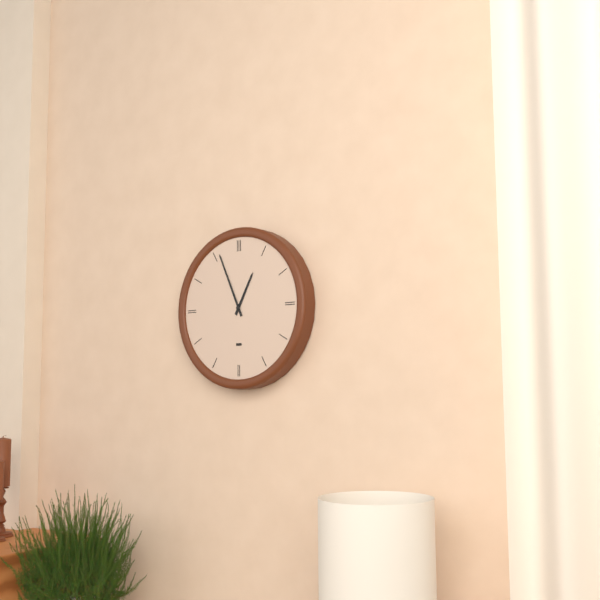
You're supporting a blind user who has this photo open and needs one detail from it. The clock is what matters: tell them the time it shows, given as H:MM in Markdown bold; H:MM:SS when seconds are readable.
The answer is **12:56**
